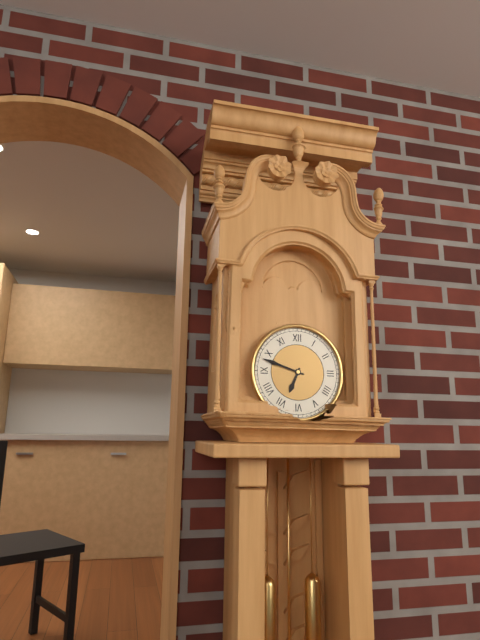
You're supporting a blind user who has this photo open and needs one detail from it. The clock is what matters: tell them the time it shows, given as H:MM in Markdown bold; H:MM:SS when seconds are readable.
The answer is **6:48**
